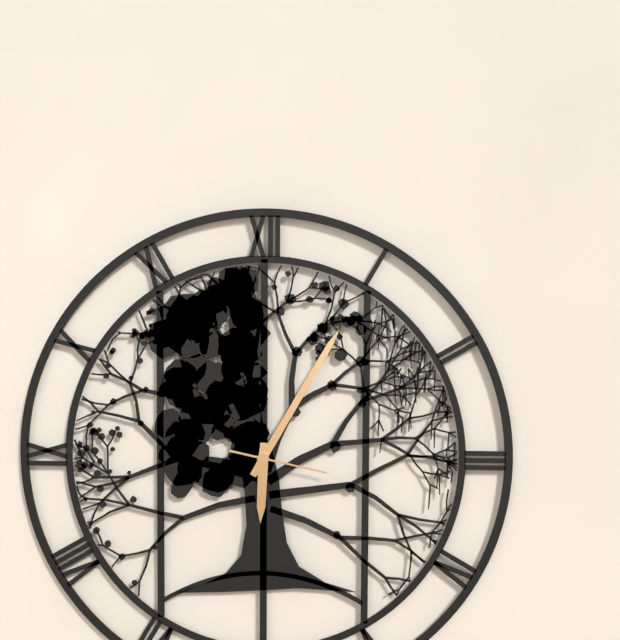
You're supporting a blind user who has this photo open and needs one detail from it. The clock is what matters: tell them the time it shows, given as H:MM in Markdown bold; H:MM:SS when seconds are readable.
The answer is **6:05:17**
